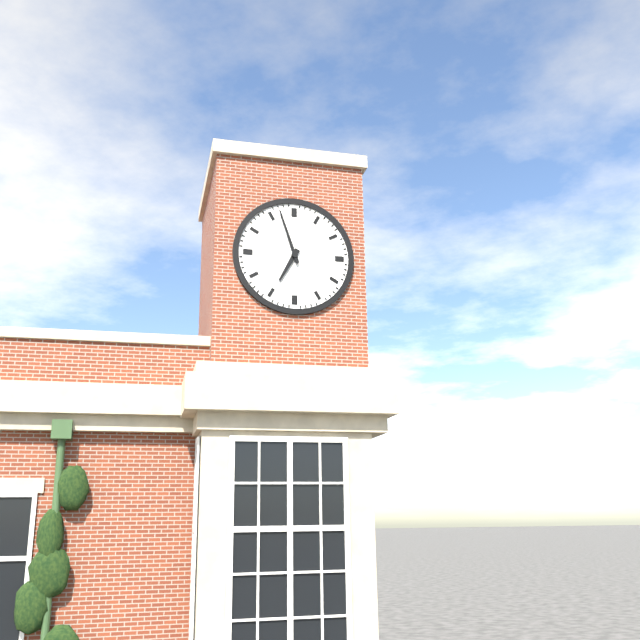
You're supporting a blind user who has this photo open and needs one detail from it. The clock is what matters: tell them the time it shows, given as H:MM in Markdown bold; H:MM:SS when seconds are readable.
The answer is **6:57**
